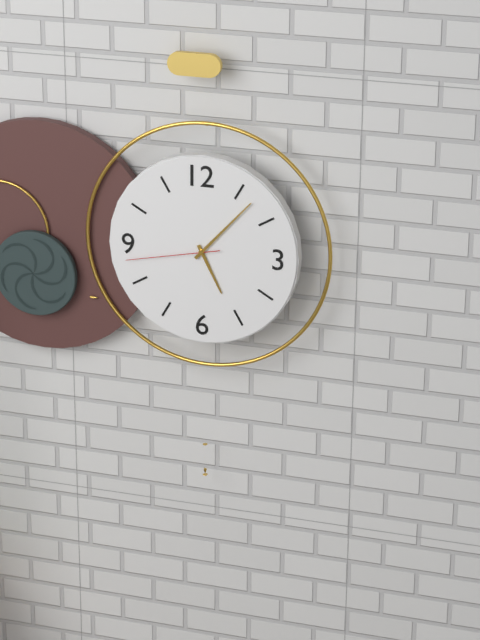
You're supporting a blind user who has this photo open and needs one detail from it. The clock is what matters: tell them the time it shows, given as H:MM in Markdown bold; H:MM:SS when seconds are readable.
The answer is **5:07:43**
